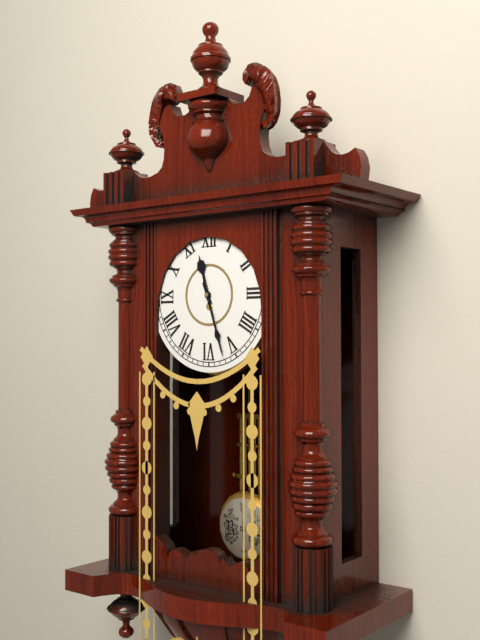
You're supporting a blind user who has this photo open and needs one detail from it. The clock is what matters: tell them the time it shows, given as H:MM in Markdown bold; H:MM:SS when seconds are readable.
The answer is **11:27**
